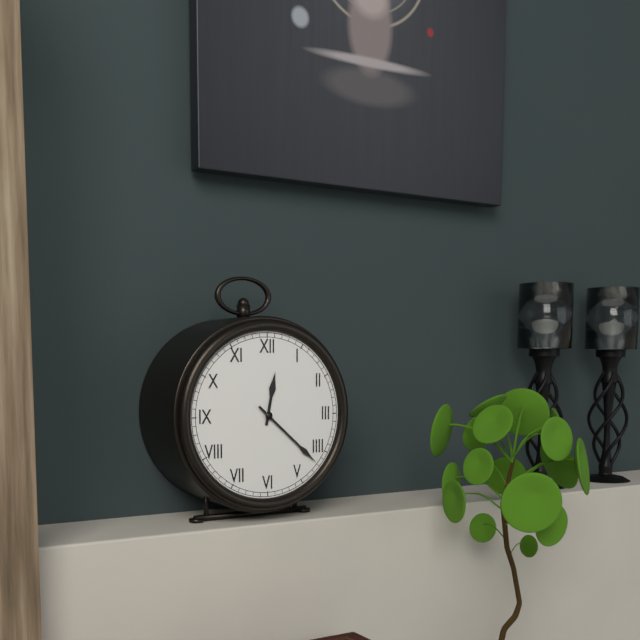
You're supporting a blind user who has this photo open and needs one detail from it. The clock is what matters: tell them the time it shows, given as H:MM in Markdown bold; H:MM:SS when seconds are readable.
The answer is **12:22**
